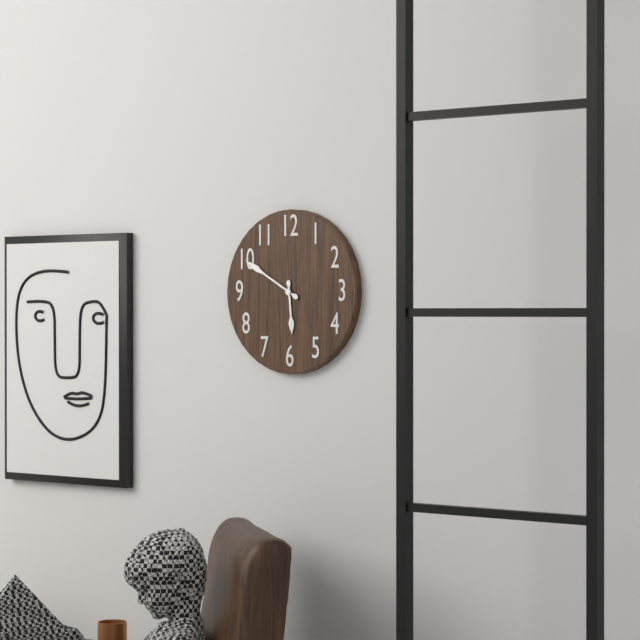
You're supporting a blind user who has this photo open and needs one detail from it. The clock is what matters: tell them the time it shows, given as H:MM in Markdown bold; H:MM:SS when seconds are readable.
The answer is **5:50**
